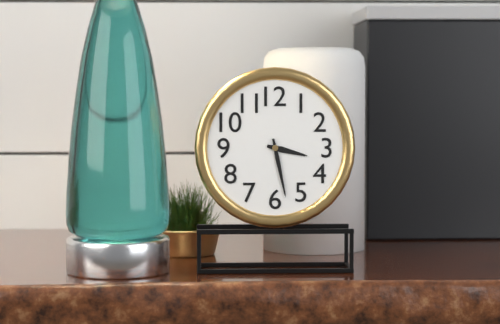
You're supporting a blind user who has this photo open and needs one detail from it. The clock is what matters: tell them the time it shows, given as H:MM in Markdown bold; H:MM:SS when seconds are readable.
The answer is **3:28**
